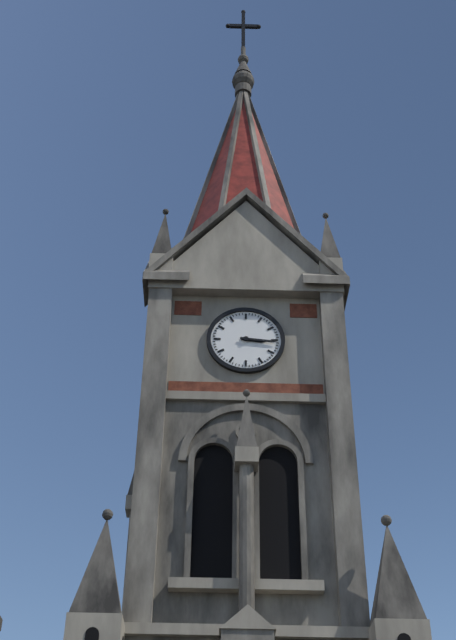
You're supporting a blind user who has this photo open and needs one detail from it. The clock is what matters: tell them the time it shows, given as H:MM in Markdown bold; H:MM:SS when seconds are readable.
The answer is **3:16**
